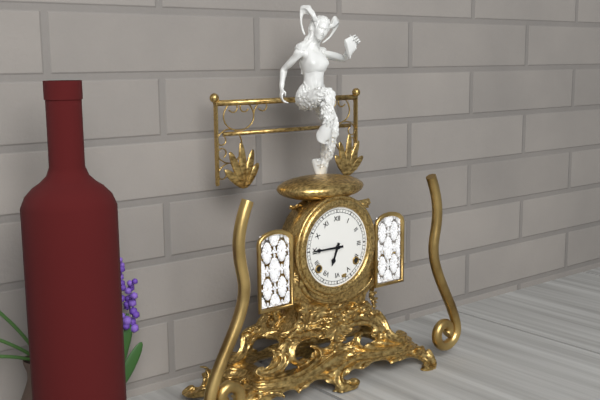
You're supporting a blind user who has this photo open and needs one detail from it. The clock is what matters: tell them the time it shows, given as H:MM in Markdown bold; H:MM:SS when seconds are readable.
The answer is **6:45**
